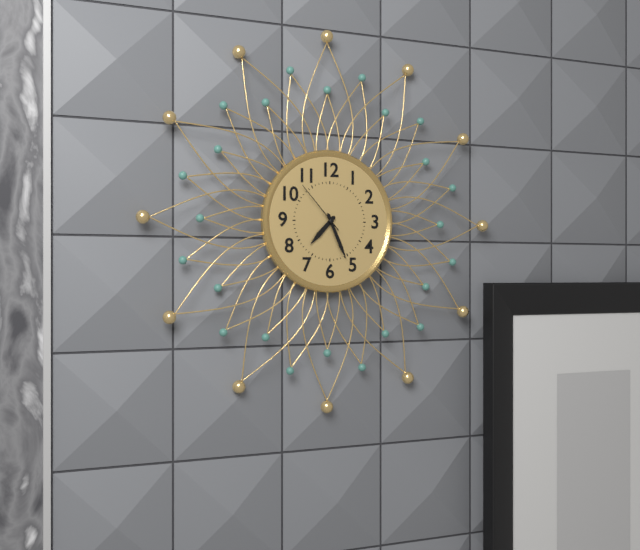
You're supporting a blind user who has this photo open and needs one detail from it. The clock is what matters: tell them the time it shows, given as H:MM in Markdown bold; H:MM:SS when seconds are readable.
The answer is **7:26:53**
